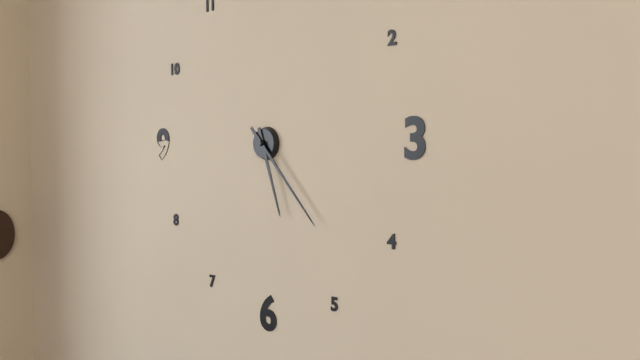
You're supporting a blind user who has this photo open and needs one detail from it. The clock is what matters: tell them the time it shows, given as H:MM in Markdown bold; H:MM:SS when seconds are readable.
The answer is **5:23**
